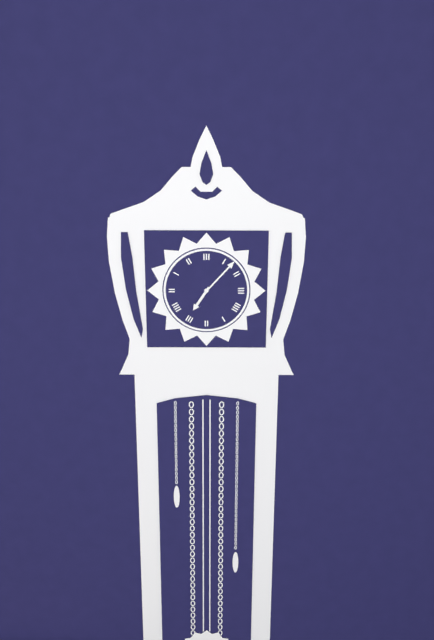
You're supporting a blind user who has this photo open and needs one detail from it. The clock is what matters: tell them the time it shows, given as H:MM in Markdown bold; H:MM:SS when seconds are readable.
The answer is **7:07**
